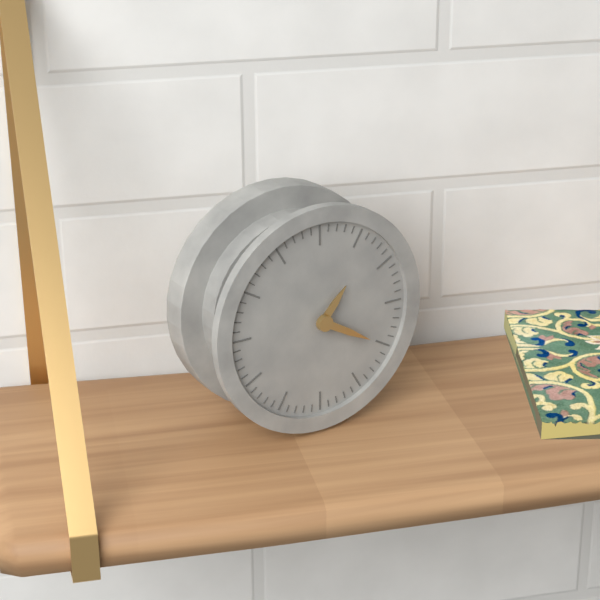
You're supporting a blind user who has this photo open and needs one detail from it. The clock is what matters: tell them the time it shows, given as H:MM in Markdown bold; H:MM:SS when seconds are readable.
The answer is **1:20**
